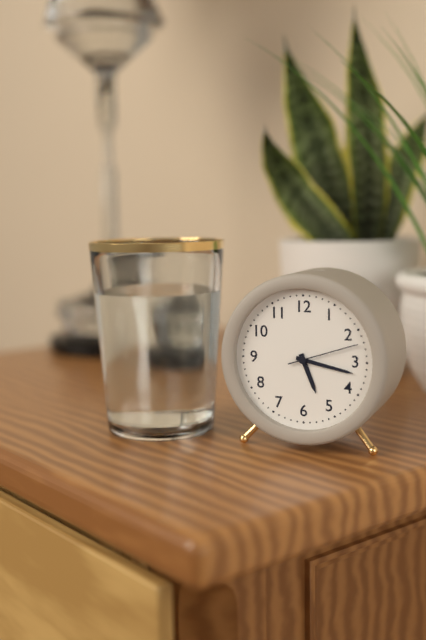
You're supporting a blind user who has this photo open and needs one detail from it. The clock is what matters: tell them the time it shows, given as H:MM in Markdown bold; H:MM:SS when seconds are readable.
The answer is **5:17:12**
